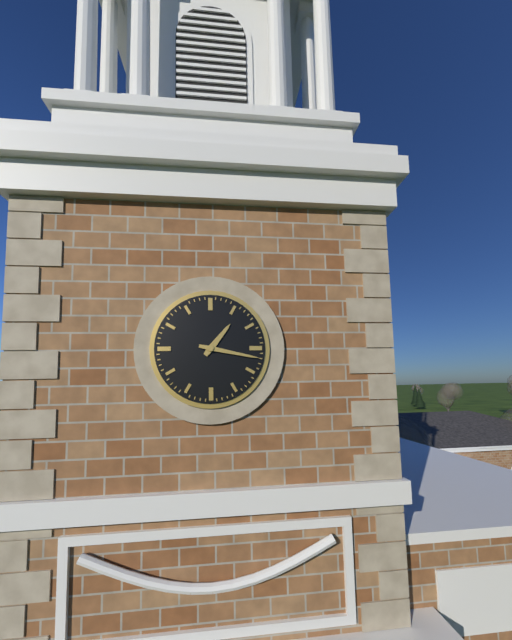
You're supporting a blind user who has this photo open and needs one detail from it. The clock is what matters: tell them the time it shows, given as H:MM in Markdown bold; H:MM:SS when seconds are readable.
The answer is **1:17**
